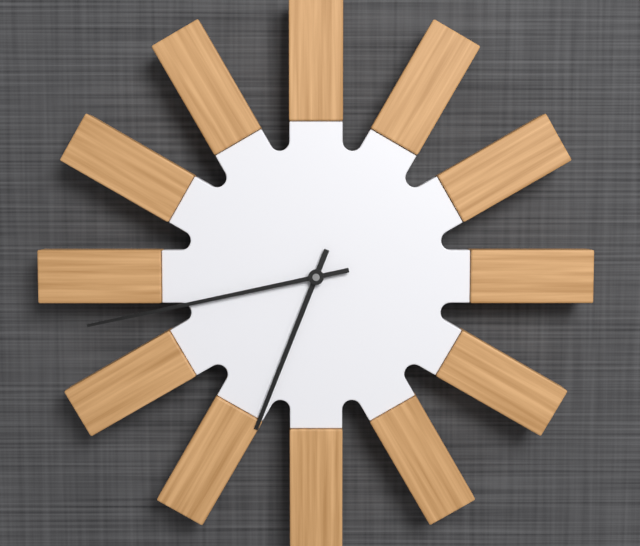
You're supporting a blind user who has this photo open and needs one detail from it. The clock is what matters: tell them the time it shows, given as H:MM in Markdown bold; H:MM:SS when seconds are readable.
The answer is **6:43**
